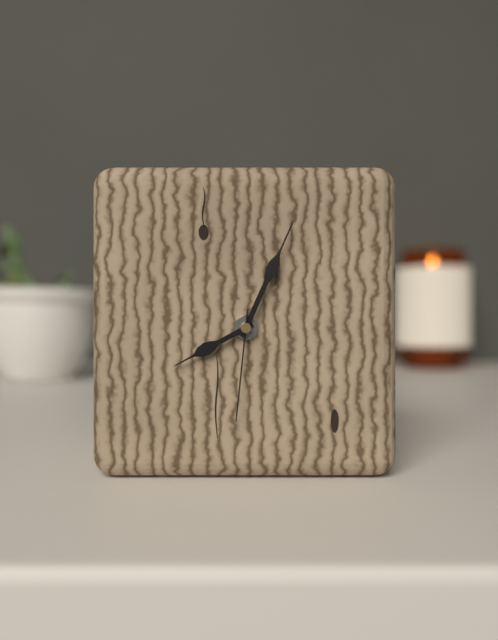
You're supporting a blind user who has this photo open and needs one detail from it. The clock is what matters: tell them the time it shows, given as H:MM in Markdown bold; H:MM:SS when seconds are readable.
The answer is **8:04:31**
